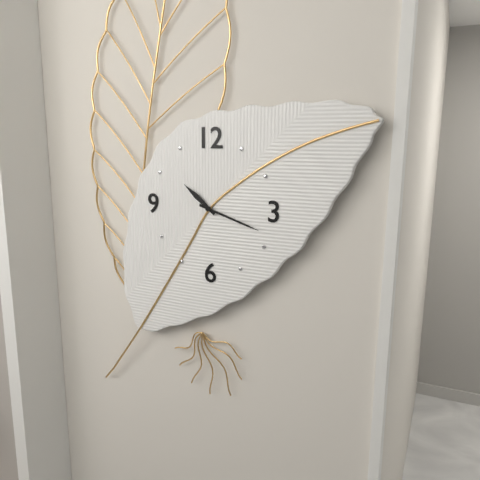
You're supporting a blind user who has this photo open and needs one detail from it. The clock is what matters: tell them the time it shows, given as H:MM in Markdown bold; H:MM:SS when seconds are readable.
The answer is **10:18**
